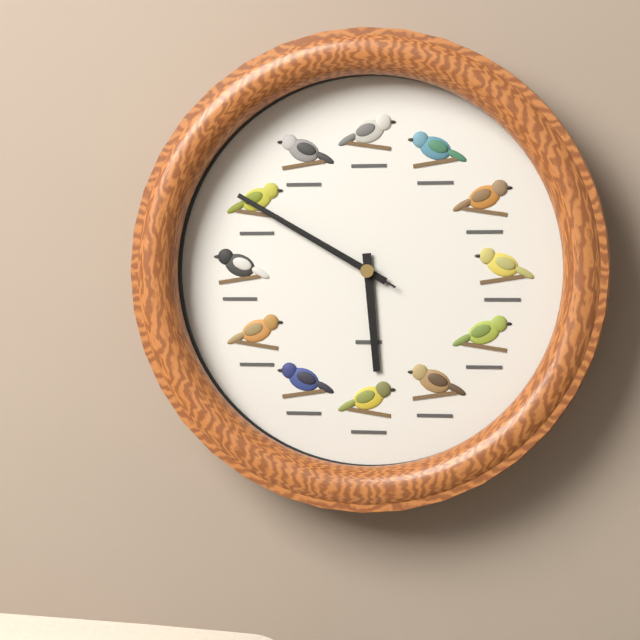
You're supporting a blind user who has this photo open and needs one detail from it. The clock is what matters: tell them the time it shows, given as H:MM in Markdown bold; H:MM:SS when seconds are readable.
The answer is **5:50:50**
